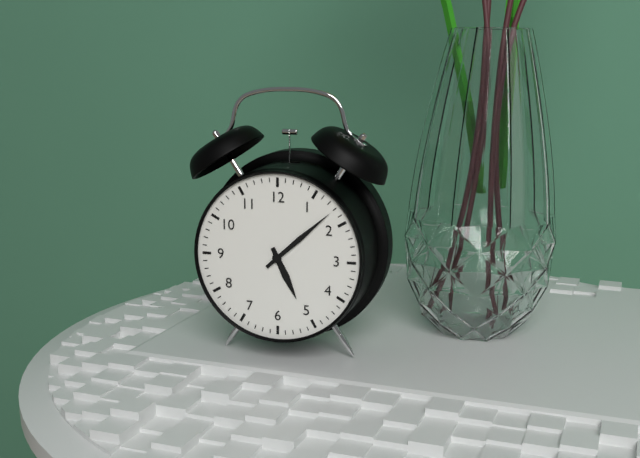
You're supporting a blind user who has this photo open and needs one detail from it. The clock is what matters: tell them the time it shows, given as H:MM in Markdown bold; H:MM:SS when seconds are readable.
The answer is **5:08**
